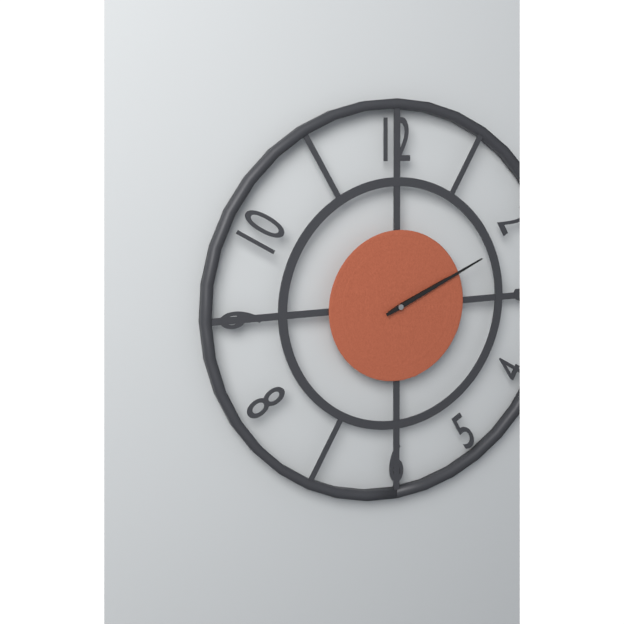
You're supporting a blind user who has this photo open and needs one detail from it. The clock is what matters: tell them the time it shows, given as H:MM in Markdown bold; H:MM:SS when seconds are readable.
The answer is **2:11**
